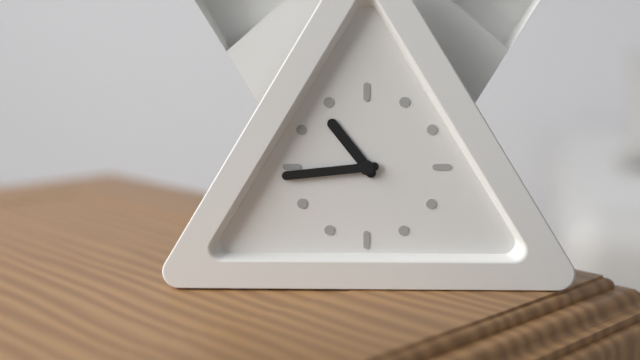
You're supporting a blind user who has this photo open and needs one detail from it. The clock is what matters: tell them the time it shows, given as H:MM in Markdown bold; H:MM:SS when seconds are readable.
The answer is **10:44**
